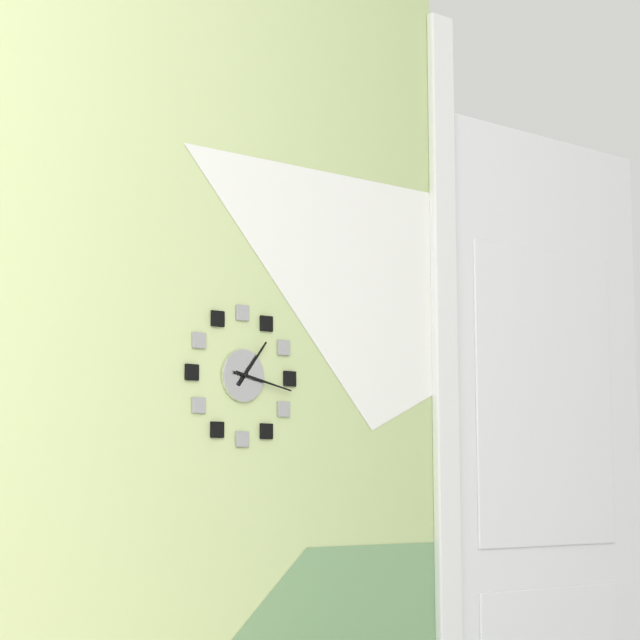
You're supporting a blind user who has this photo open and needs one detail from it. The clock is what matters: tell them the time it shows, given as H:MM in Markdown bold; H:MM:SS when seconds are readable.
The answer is **1:17**
